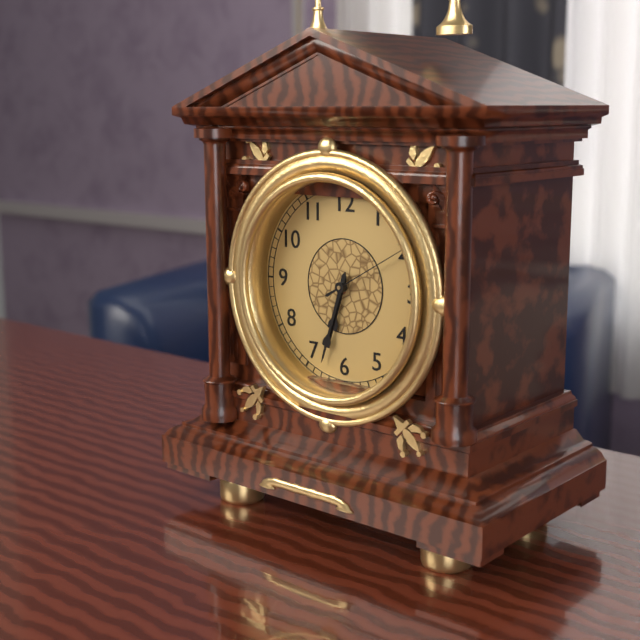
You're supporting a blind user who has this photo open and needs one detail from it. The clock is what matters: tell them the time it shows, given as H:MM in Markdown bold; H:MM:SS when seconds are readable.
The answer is **6:33:10**
